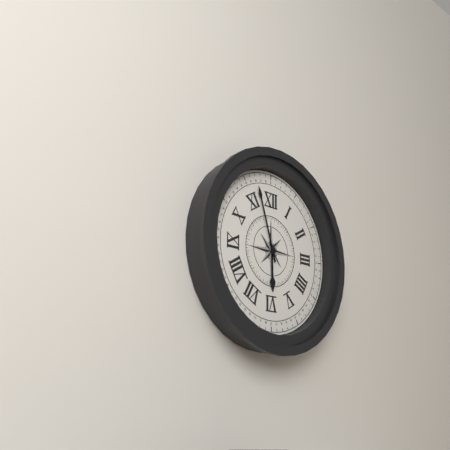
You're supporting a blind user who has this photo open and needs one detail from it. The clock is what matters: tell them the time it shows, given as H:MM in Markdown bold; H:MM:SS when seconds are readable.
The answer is **5:57**
